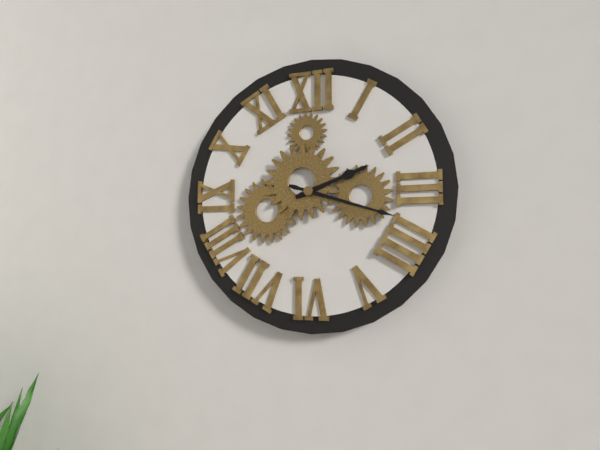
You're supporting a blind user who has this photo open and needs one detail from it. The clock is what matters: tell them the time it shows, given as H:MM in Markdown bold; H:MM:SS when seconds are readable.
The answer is **2:18**
